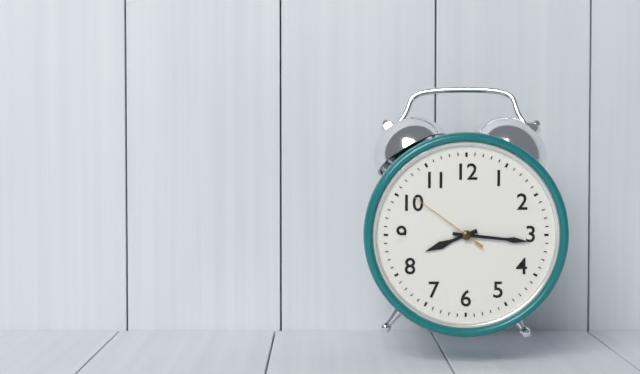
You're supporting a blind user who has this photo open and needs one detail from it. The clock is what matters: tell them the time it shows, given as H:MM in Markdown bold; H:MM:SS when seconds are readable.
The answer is **8:16:51**
